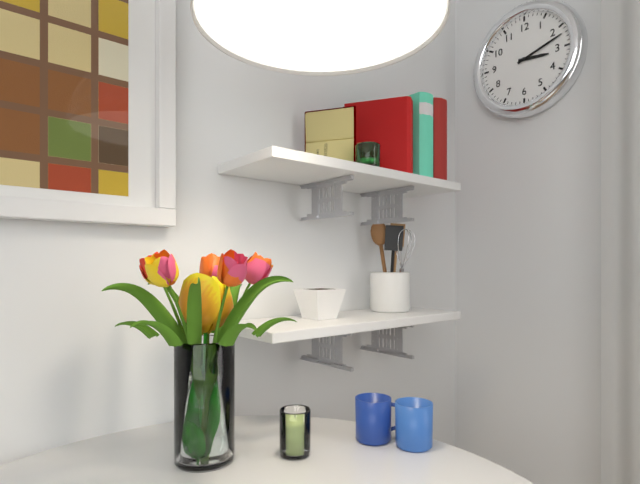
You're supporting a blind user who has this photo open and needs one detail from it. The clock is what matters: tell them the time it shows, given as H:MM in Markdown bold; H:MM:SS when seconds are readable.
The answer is **3:12**
